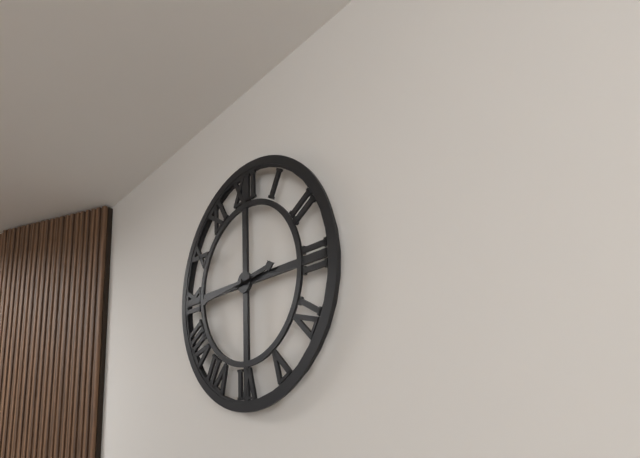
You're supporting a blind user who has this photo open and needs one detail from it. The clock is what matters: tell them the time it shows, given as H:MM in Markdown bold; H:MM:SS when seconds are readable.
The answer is **2:44**
